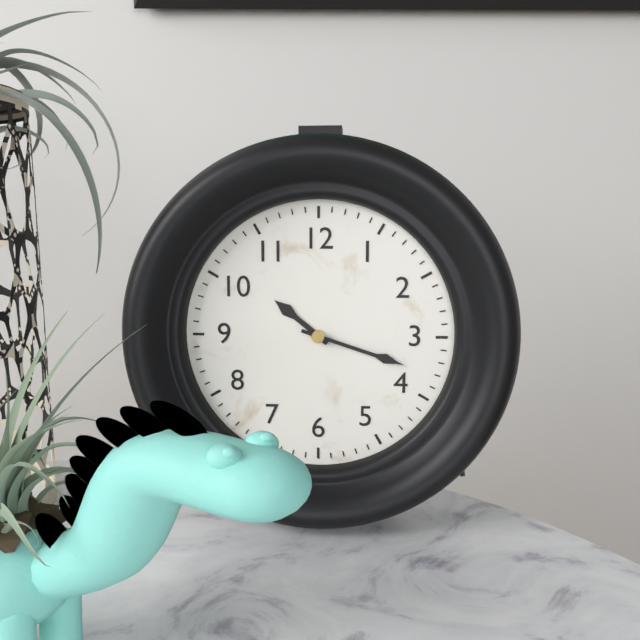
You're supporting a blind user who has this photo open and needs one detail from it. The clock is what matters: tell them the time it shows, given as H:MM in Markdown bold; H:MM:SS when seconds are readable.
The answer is **10:18**
